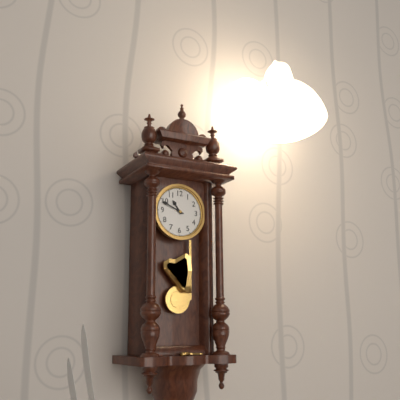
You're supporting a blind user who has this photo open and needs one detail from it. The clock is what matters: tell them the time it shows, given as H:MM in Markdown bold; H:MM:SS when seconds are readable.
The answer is **10:49**
